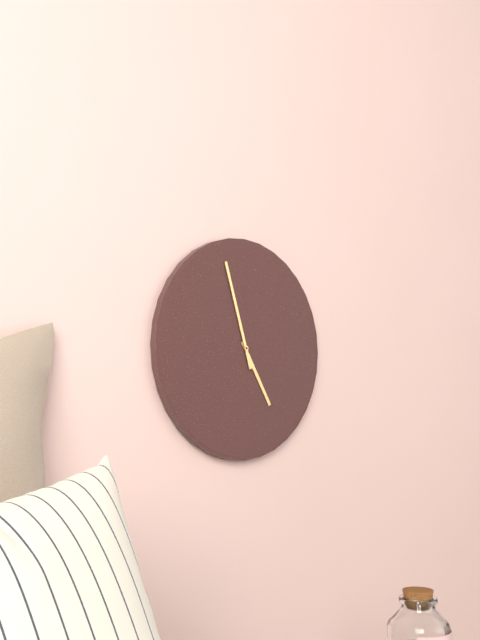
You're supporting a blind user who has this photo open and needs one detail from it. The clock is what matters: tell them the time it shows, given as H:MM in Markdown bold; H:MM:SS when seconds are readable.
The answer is **4:57**
